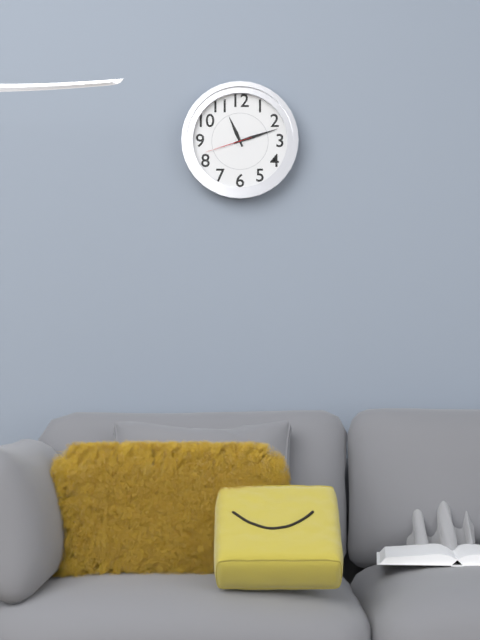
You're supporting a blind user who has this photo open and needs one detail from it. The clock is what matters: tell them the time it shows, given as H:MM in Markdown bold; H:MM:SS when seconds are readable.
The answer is **11:12**
